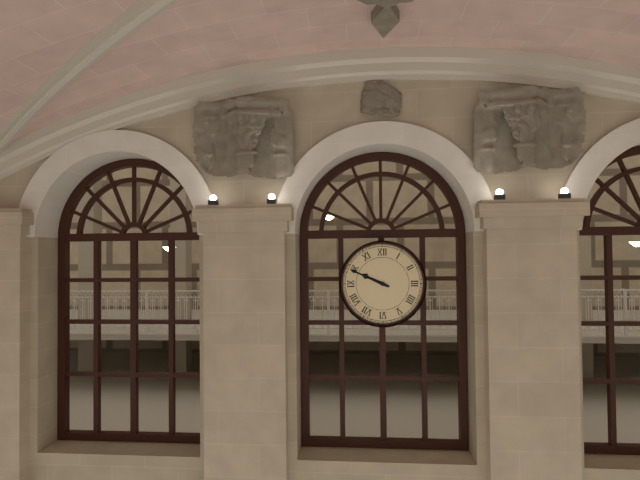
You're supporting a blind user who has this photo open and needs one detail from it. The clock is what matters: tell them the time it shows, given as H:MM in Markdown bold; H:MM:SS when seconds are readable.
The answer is **9:49**
